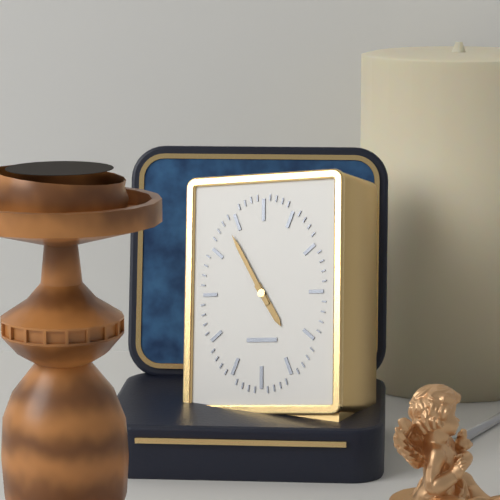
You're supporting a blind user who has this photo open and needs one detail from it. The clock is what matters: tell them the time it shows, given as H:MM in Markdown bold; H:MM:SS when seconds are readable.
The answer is **4:55**
